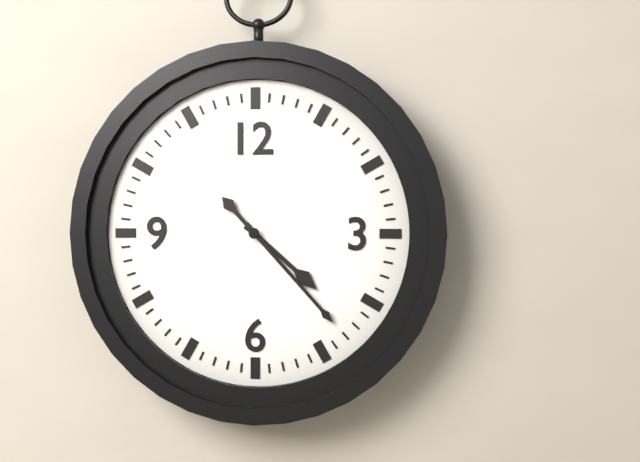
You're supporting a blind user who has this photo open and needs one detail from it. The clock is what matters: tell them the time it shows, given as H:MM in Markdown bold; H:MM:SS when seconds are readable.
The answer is **4:23**
